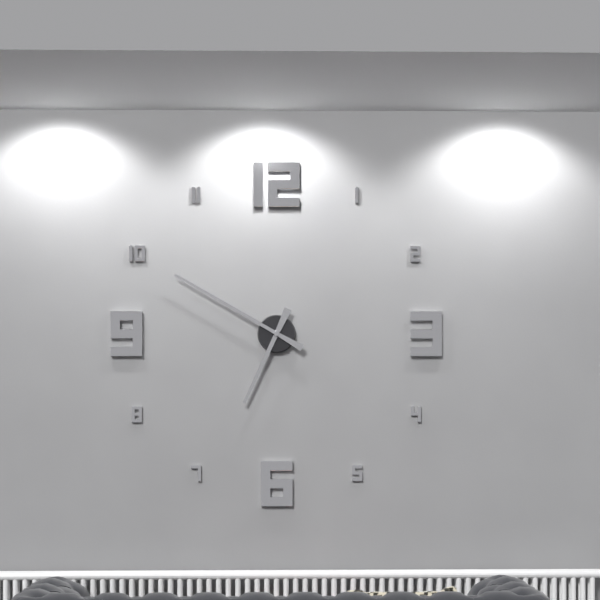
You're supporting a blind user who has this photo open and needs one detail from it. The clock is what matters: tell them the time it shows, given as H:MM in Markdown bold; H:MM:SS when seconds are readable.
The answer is **6:50**
